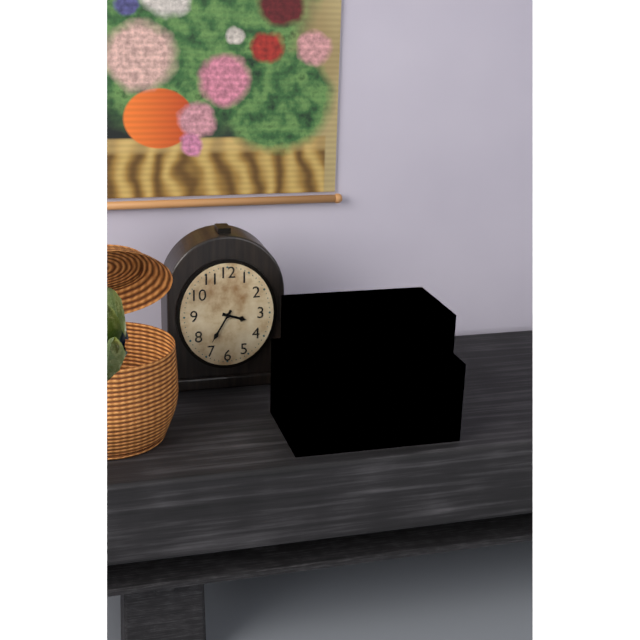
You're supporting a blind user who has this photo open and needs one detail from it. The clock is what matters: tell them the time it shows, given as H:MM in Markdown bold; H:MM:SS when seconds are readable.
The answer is **3:35**
